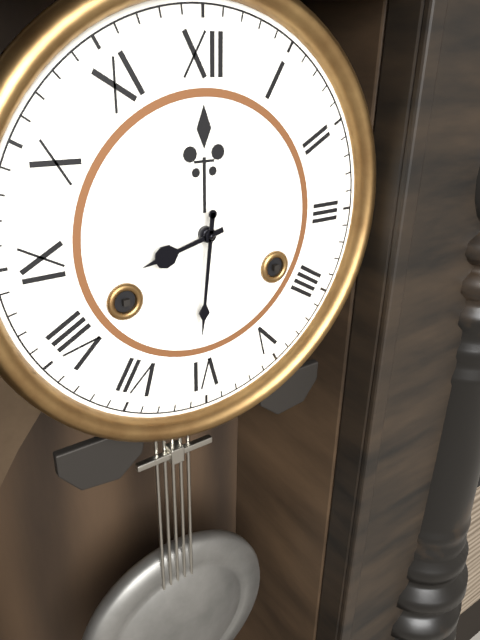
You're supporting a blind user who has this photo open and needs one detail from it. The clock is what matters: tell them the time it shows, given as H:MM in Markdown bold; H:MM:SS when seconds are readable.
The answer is **8:31**
